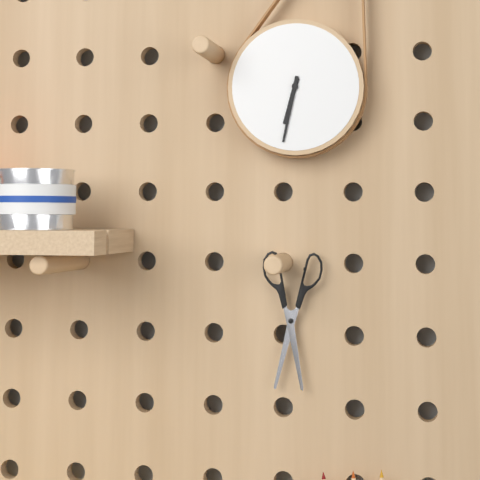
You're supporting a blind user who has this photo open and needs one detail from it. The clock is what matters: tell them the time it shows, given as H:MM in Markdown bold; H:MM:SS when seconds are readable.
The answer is **6:32**
